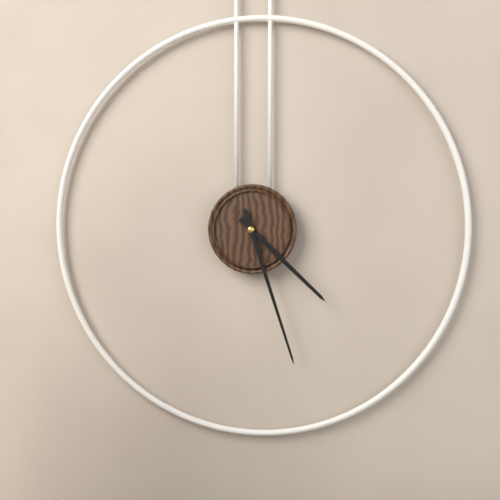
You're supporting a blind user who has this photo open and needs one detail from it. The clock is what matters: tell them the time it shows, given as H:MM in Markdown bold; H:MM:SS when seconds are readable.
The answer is **4:27**
